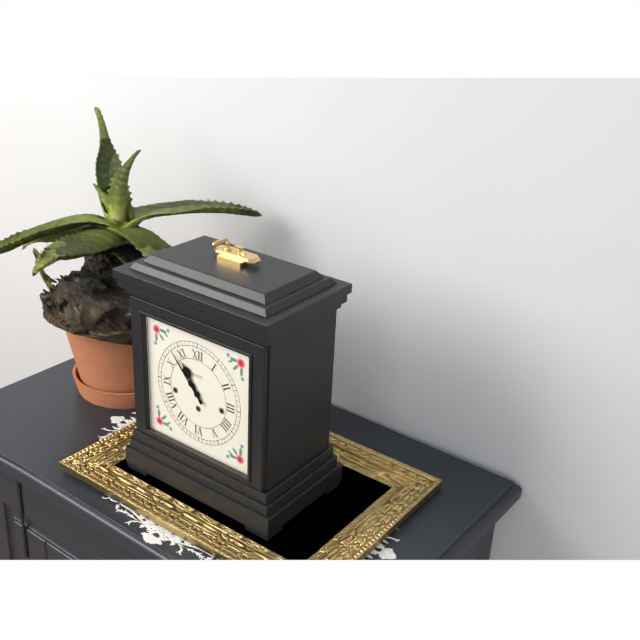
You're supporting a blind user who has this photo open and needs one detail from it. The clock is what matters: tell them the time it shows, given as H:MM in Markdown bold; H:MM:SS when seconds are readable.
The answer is **10:53**
